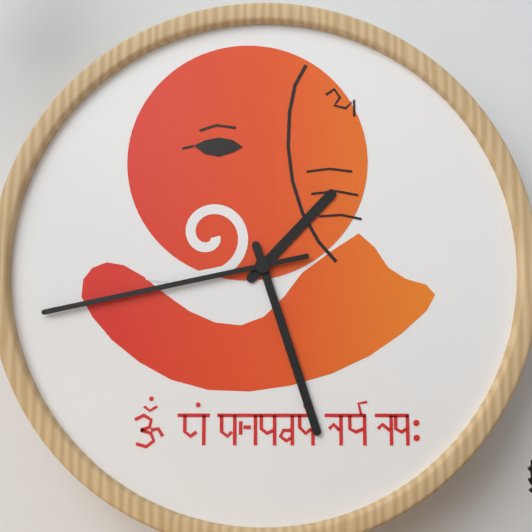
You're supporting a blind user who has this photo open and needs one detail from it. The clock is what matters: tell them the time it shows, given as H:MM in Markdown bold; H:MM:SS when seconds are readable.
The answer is **1:27:43**
